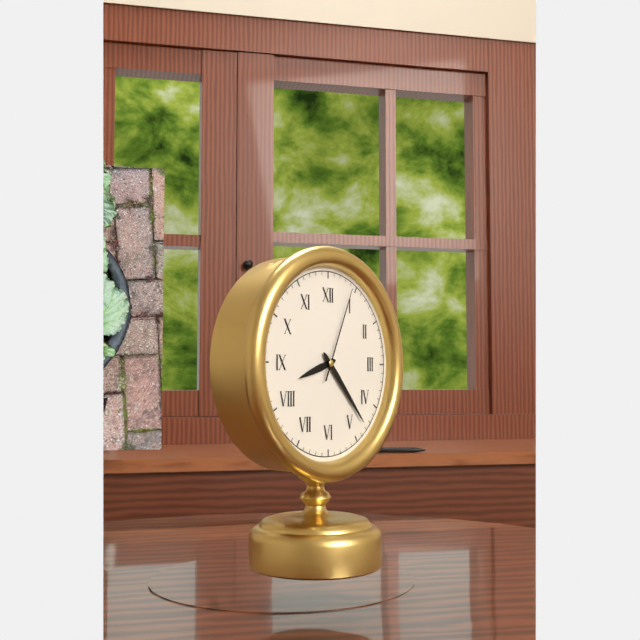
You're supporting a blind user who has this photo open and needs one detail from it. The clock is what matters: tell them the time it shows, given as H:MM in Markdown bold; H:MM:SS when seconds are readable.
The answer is **8:23:04**
